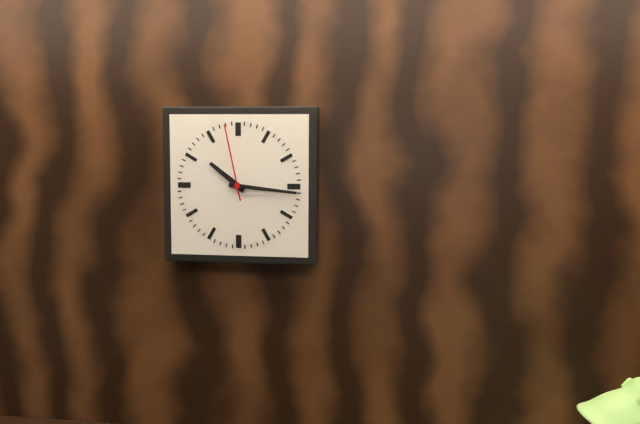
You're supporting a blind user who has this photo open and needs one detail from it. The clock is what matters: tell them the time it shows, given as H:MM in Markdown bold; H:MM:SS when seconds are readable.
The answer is **10:16:58**
